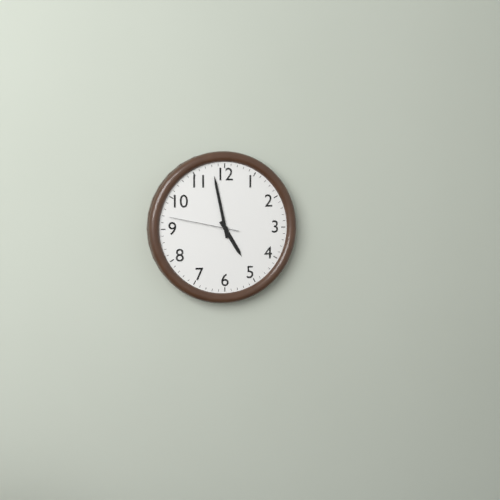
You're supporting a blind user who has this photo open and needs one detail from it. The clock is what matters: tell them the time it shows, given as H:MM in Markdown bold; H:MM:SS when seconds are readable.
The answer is **4:58:47**
